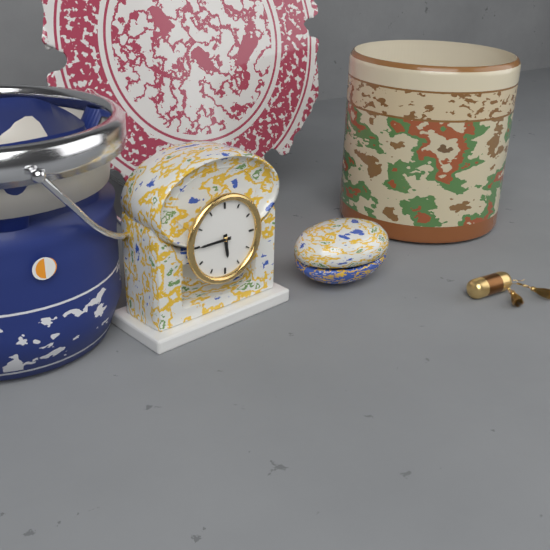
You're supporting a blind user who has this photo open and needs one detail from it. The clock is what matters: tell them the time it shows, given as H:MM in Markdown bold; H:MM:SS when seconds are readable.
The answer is **5:45**
